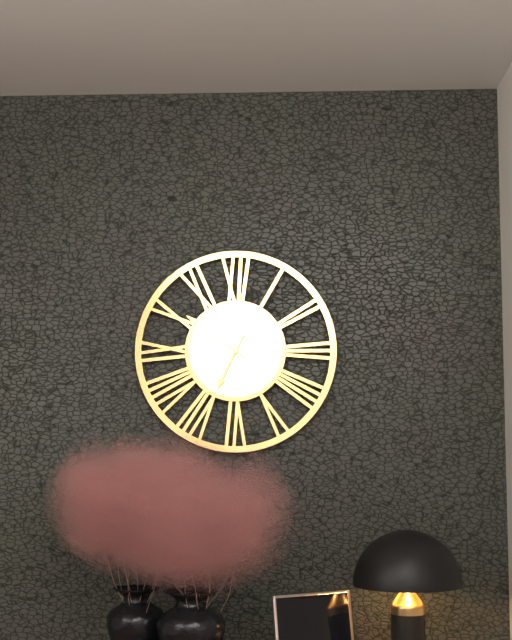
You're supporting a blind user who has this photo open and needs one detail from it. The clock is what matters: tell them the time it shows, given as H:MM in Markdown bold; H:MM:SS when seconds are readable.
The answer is **6:51**
